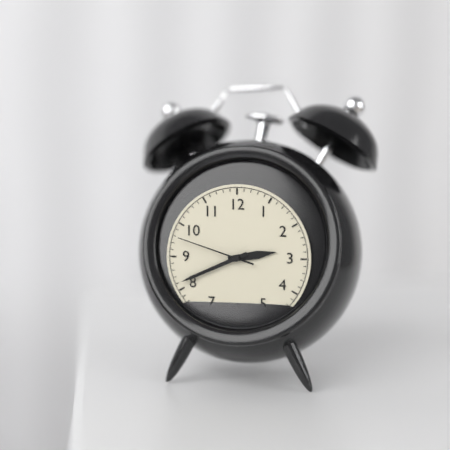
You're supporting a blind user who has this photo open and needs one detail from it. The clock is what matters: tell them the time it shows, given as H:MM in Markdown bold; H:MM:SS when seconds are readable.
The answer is **2:41:48**
